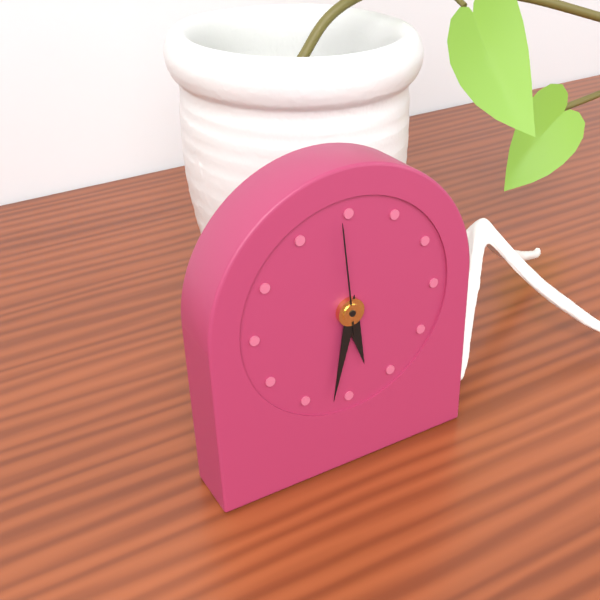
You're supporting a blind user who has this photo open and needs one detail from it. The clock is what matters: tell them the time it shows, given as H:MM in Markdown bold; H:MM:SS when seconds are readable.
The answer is **5:32:59**
